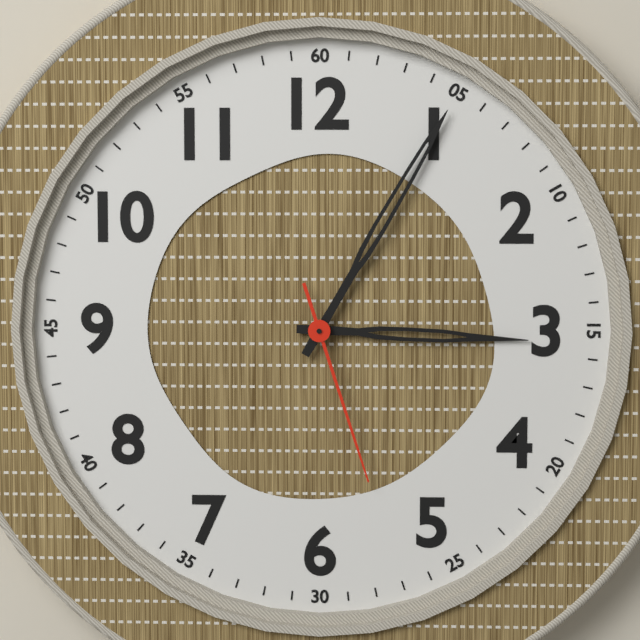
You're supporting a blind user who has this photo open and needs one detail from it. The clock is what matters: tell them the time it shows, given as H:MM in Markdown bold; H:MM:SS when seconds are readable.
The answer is **3:05:27**
